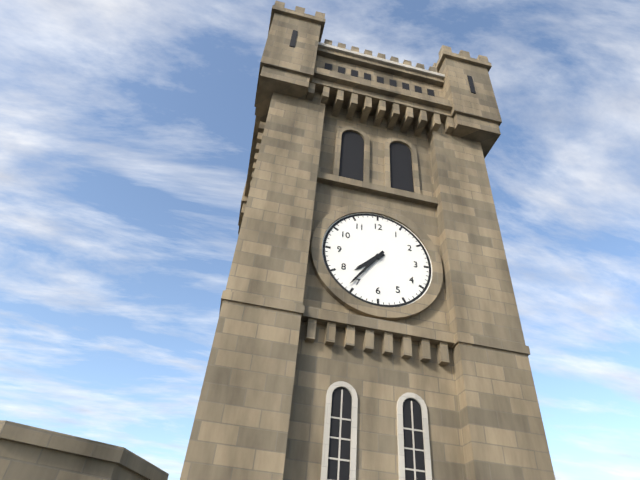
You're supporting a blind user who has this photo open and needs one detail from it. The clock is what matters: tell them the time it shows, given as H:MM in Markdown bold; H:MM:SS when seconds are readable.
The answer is **7:36**
